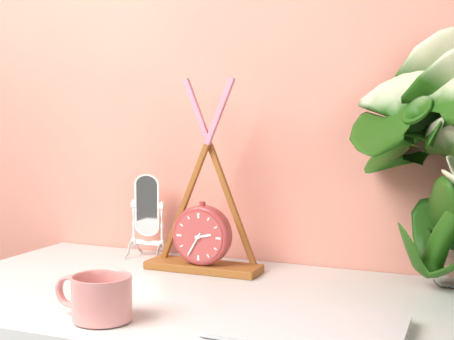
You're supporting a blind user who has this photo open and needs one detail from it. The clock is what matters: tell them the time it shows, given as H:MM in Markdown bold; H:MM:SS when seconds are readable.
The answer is **2:35**
